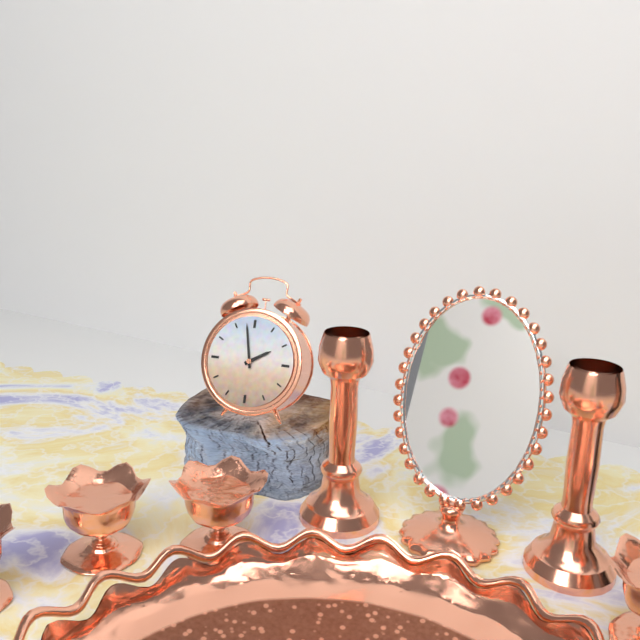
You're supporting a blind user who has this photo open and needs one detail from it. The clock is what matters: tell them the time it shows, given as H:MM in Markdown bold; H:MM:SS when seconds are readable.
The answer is **1:58**
